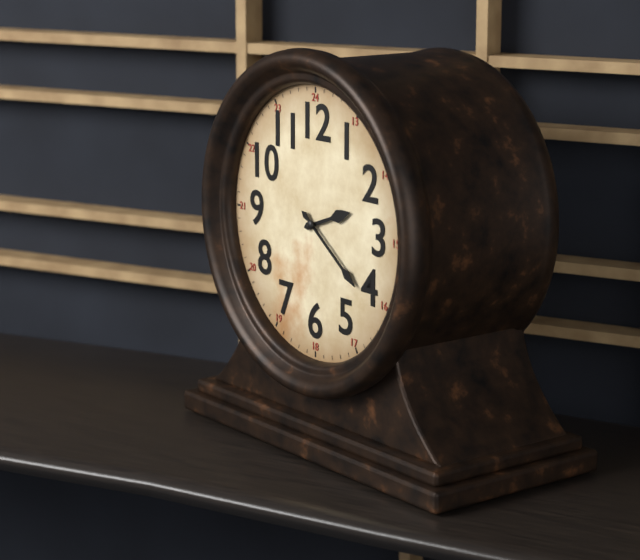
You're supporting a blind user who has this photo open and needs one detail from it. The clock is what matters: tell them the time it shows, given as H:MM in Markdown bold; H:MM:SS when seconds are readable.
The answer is **2:21**
